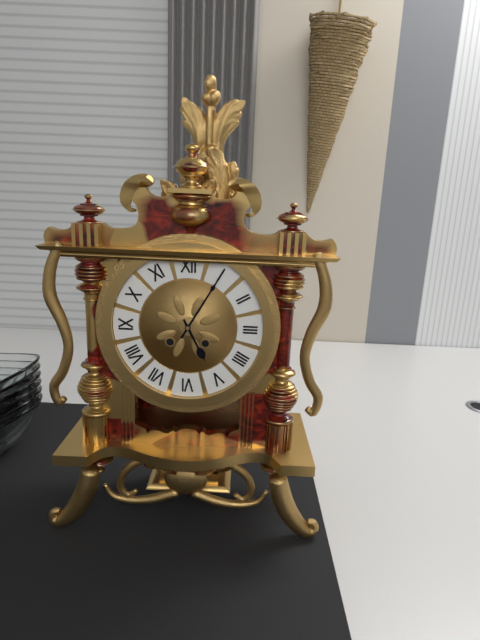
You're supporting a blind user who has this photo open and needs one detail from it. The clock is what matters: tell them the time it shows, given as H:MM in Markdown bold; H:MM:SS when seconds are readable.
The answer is **5:05**
